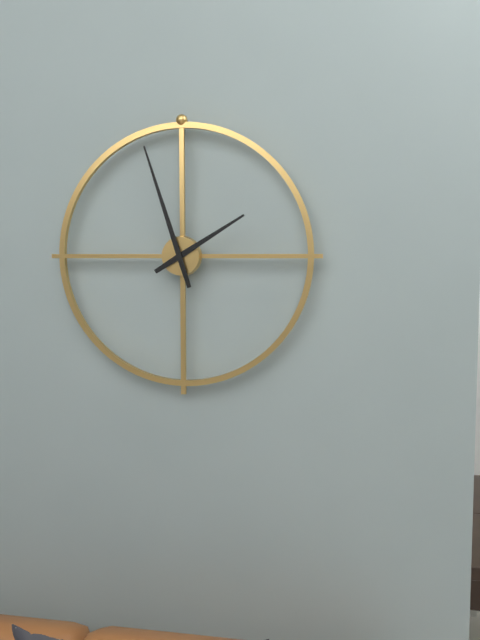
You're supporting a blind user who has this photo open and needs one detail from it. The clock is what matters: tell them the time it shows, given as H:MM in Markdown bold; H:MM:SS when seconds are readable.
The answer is **1:57**
